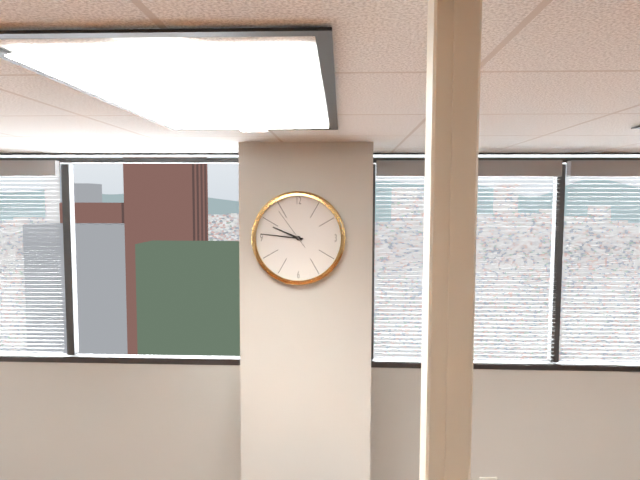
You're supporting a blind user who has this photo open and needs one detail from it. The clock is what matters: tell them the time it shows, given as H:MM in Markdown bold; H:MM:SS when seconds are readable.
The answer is **9:46**
